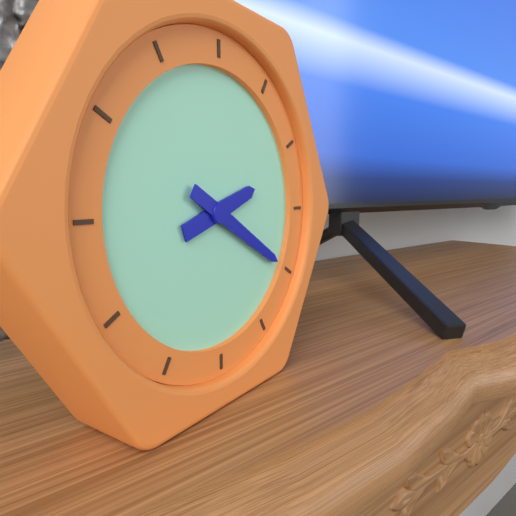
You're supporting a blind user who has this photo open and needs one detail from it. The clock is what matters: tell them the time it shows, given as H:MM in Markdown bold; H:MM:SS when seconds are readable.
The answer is **2:20**
